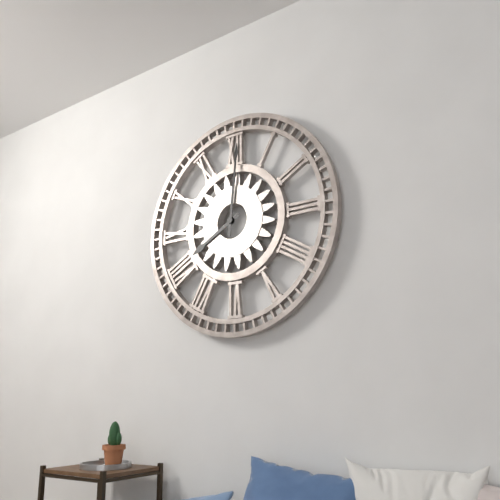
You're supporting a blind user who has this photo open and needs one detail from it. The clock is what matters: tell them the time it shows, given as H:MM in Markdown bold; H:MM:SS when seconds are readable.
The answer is **8:01**
